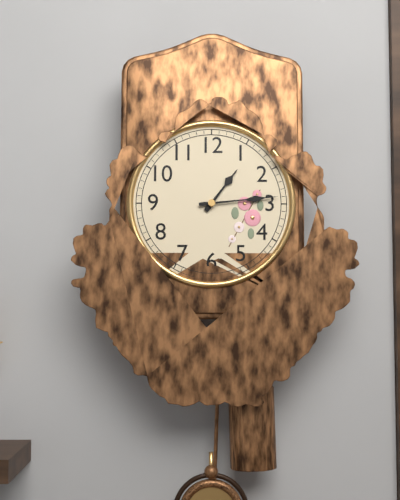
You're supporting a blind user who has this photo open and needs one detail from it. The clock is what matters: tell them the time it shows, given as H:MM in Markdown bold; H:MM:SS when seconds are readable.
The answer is **1:14**
